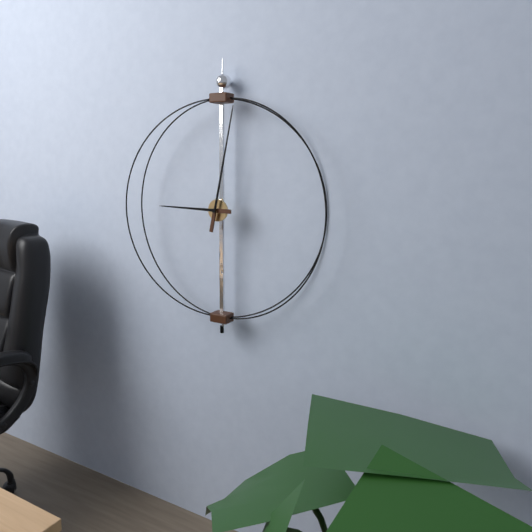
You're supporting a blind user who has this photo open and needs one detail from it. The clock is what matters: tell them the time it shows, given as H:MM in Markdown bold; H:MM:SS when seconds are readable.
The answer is **9:02**
